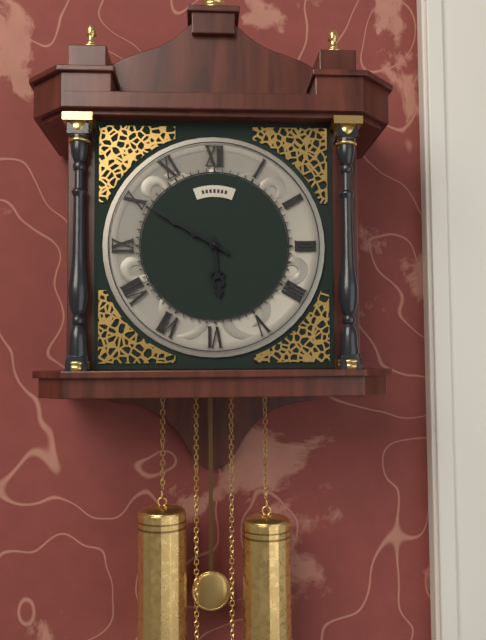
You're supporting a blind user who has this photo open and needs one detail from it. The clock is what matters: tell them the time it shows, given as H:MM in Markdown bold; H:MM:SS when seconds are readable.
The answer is **5:50**
